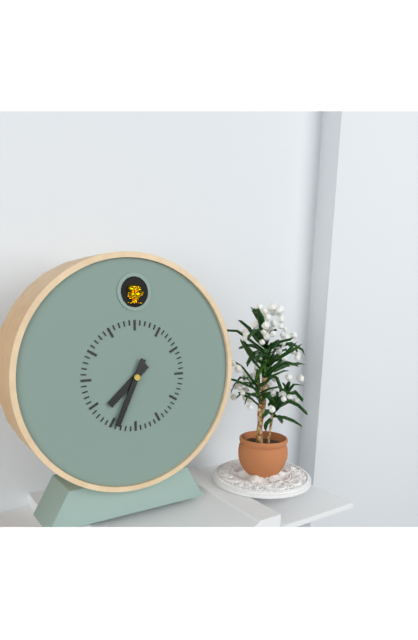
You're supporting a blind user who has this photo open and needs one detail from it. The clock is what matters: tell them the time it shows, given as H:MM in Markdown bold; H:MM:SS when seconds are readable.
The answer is **7:34**
